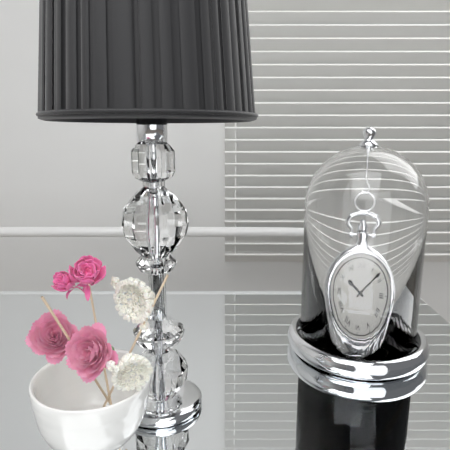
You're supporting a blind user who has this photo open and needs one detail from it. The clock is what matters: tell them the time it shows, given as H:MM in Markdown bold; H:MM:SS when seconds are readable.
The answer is **10:08**
